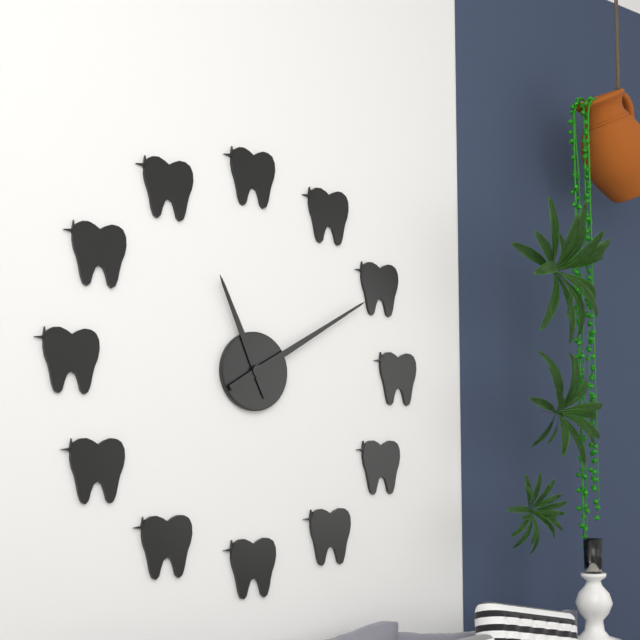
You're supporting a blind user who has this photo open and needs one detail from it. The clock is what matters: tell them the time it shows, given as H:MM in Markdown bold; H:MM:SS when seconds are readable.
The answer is **11:10**
